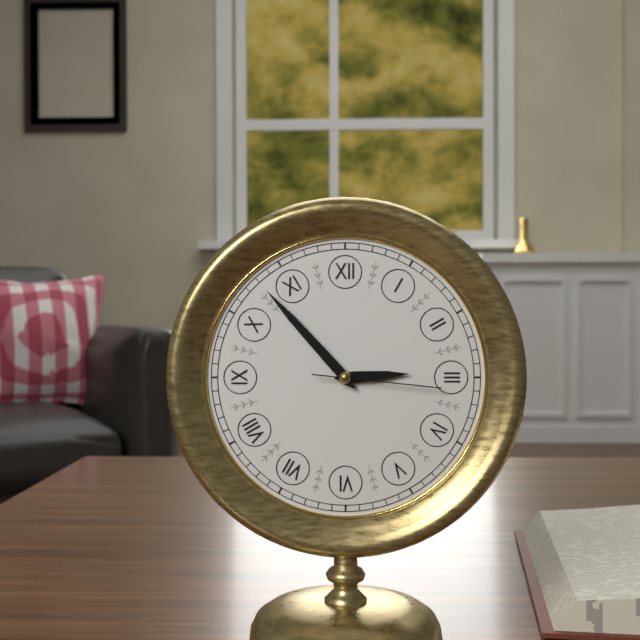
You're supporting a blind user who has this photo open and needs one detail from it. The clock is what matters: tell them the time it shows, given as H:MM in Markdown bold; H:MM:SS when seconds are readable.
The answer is **2:53:16**
